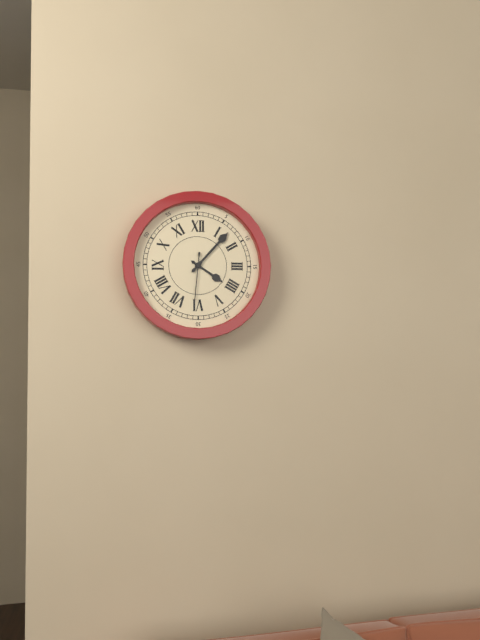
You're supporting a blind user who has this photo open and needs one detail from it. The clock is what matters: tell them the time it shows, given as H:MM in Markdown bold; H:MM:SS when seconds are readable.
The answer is **4:07**
